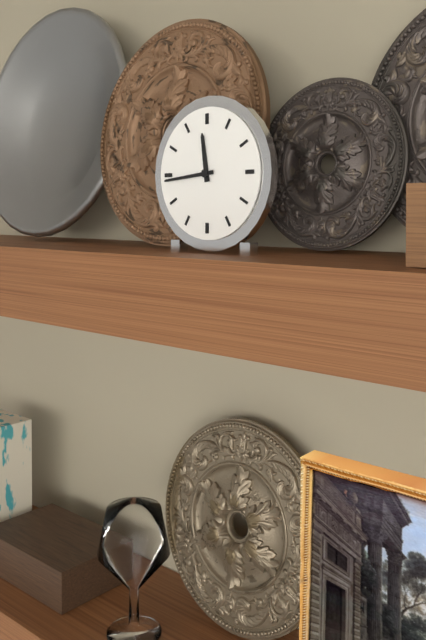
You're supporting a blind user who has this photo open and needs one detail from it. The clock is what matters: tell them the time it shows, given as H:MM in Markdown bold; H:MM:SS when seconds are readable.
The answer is **11:44**
